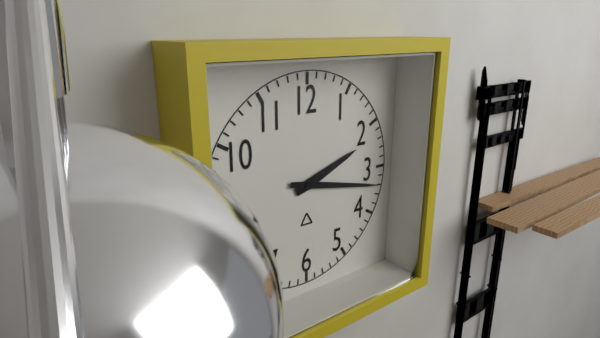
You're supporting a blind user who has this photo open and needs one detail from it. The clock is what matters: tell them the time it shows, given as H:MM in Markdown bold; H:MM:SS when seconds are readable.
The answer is **2:17**
